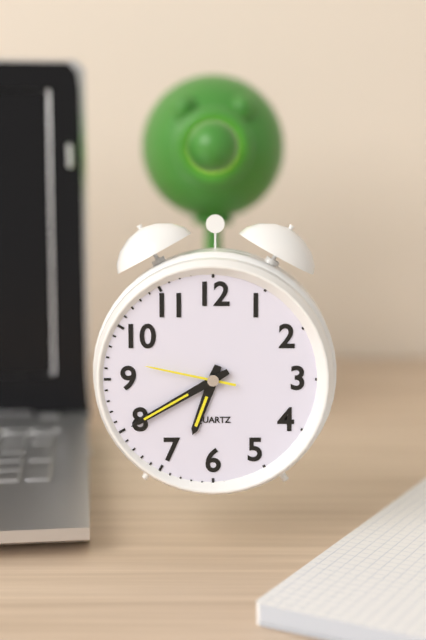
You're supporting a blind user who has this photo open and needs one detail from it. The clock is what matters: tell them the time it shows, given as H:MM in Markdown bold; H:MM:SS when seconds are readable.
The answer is **6:40:47**
